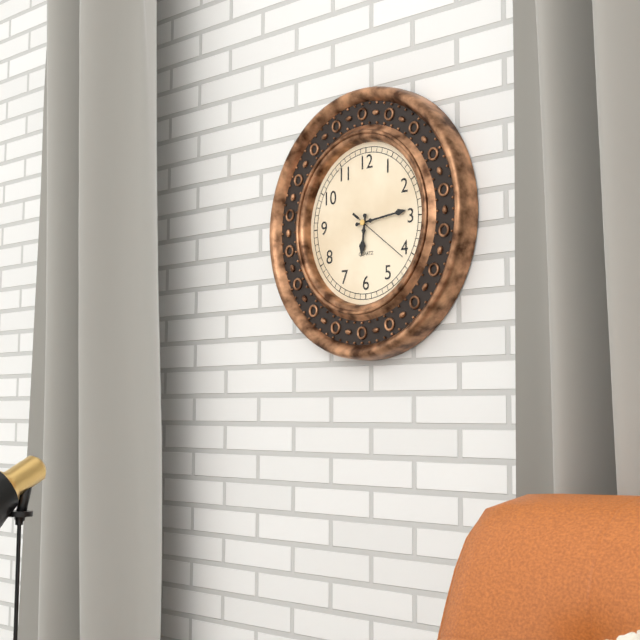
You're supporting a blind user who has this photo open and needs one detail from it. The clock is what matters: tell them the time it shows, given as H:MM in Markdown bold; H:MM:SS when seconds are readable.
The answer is **6:14:21**
